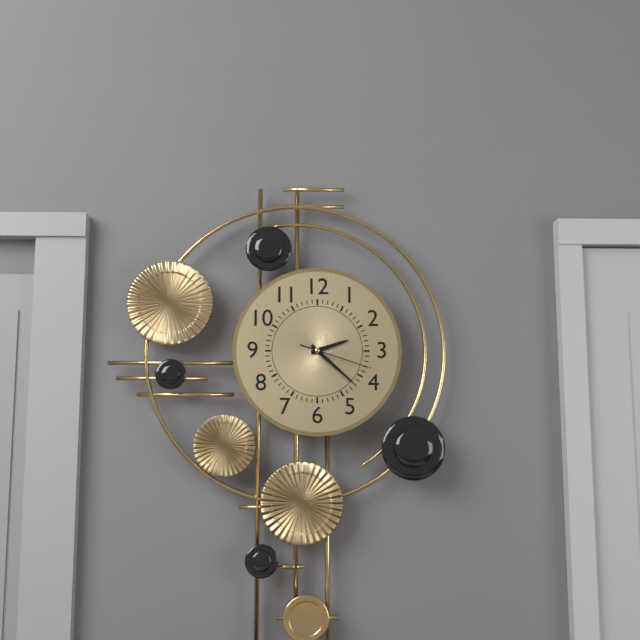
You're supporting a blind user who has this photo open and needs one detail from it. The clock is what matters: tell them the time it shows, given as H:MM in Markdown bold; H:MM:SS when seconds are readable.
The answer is **2:22:18**
